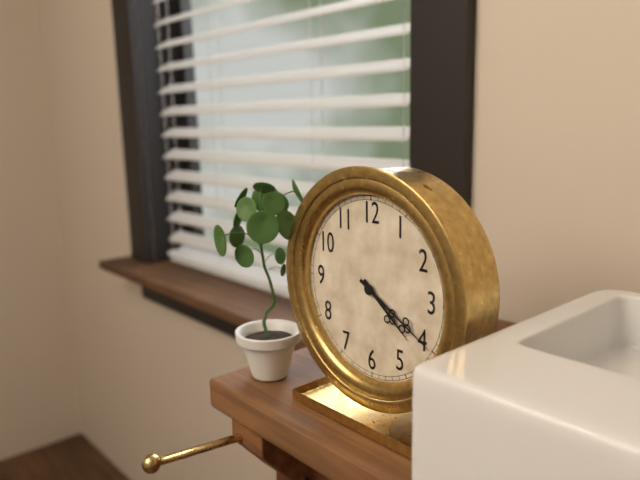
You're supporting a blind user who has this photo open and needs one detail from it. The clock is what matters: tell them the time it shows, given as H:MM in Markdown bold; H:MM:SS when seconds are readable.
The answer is **4:20**
